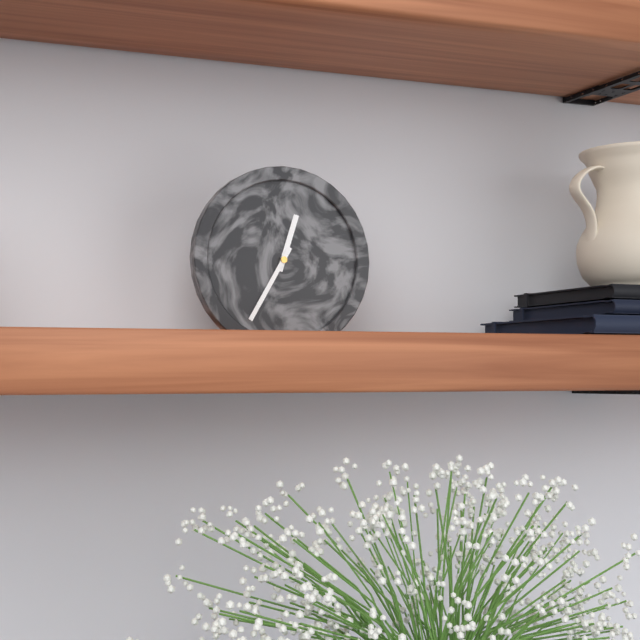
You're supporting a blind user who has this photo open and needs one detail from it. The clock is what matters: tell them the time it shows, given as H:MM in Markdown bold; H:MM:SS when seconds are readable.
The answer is **12:35**
